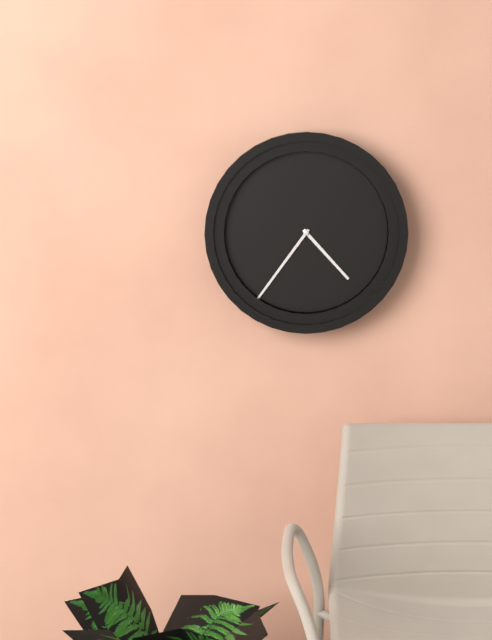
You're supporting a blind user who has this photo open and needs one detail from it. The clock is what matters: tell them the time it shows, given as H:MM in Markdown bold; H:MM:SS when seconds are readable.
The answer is **4:36**
